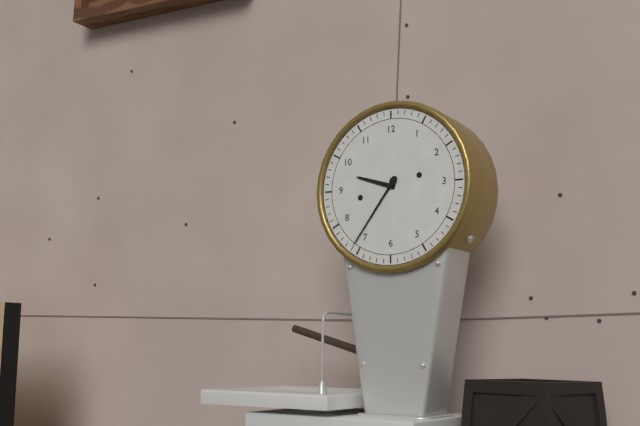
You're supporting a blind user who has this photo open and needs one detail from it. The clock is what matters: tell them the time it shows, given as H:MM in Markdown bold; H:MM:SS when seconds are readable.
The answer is **9:36**
